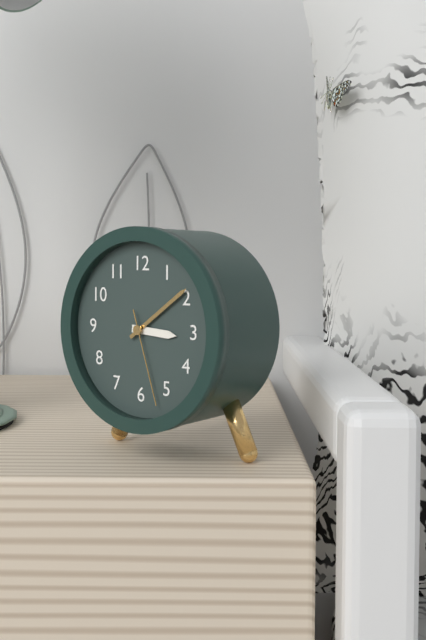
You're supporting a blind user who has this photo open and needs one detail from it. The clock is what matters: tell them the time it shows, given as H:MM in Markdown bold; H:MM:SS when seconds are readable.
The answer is **3:09:27**
